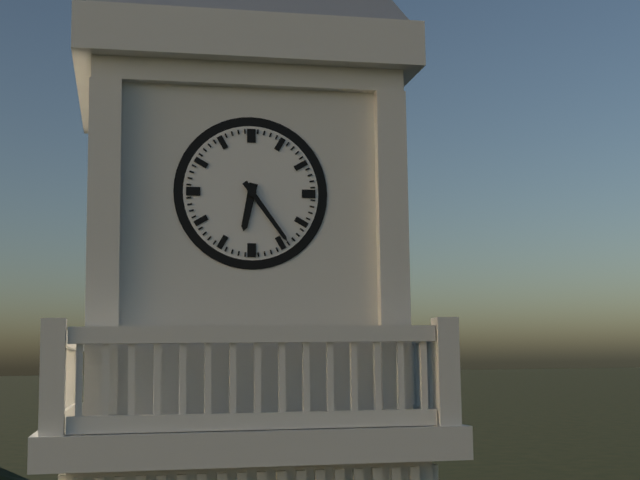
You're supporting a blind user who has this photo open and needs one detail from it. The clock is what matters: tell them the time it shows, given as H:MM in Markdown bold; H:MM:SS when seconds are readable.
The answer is **6:24**
